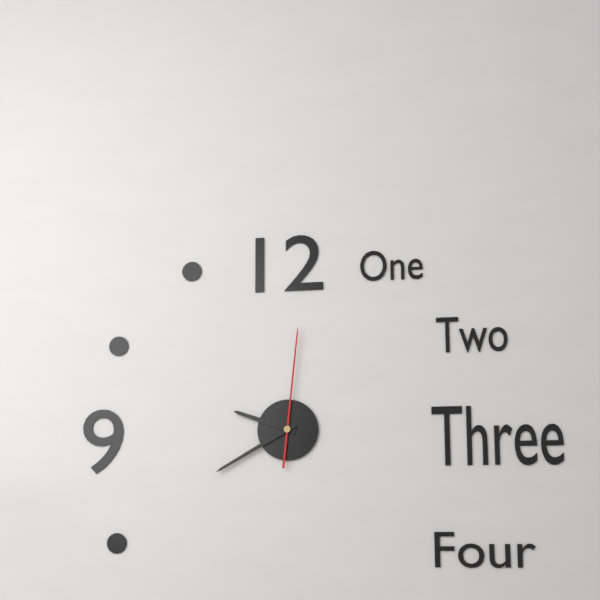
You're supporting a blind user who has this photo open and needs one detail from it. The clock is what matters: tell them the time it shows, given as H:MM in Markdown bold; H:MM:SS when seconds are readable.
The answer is **9:40:01**
